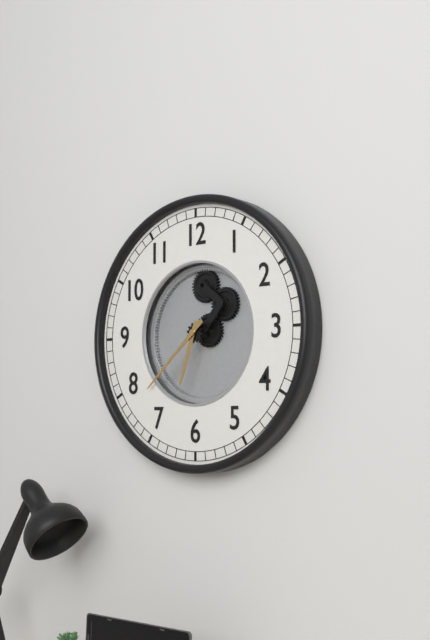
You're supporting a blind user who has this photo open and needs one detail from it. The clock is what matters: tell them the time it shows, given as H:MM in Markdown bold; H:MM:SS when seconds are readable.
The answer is **6:38**
